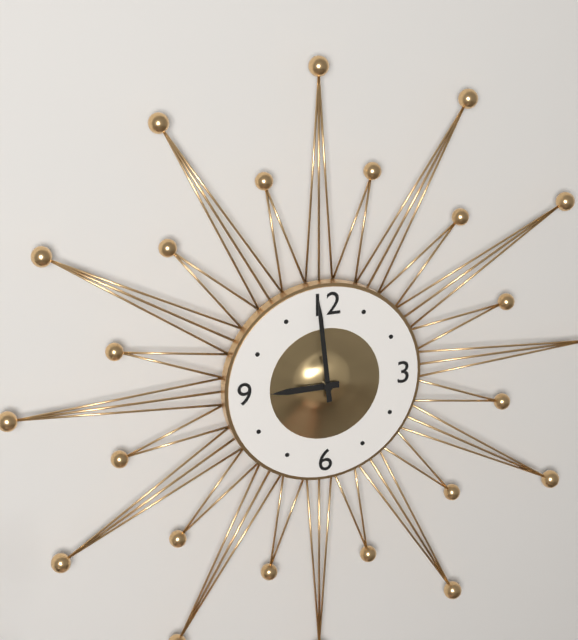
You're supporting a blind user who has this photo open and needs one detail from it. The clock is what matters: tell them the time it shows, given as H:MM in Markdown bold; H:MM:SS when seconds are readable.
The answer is **8:59**
